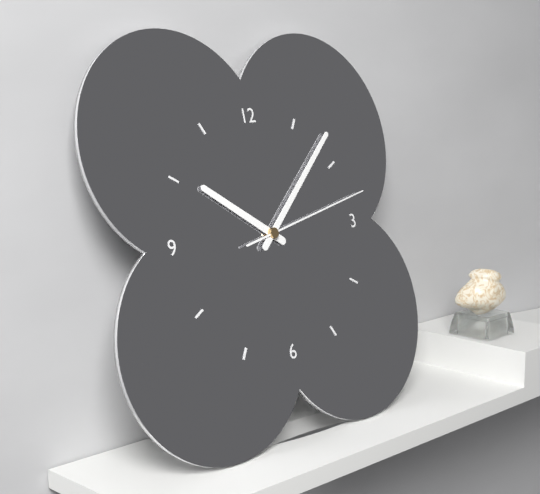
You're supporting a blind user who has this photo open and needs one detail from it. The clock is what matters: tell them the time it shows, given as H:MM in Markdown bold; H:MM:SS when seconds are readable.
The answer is **10:08:13**
